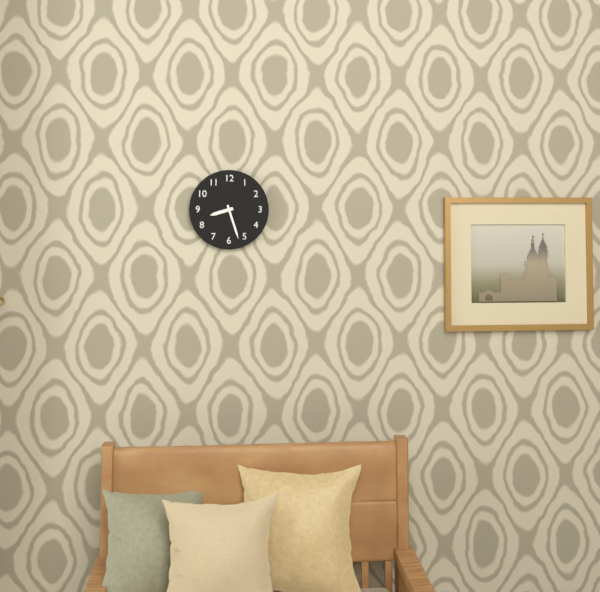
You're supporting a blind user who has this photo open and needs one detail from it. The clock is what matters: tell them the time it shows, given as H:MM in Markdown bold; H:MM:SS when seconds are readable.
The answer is **8:27**
